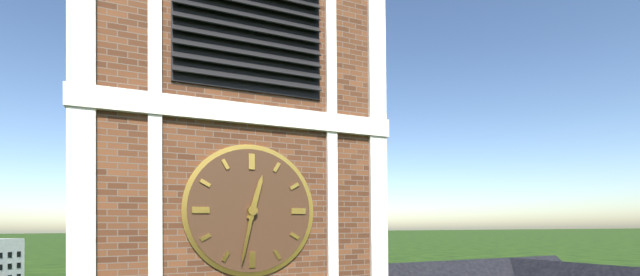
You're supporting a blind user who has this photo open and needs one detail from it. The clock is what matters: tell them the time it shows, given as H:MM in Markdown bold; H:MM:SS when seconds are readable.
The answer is **12:32**
